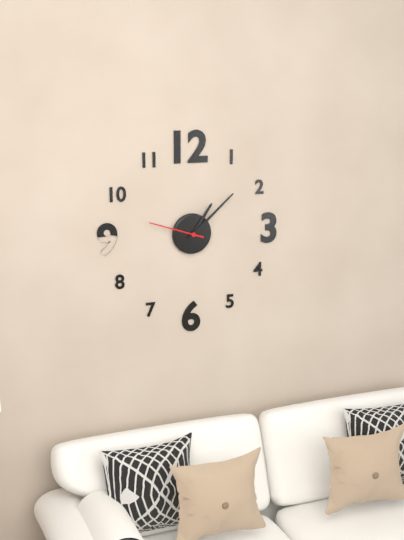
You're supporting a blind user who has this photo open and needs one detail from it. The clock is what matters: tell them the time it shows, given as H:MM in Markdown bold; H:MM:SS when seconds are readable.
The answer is **1:08:48**
